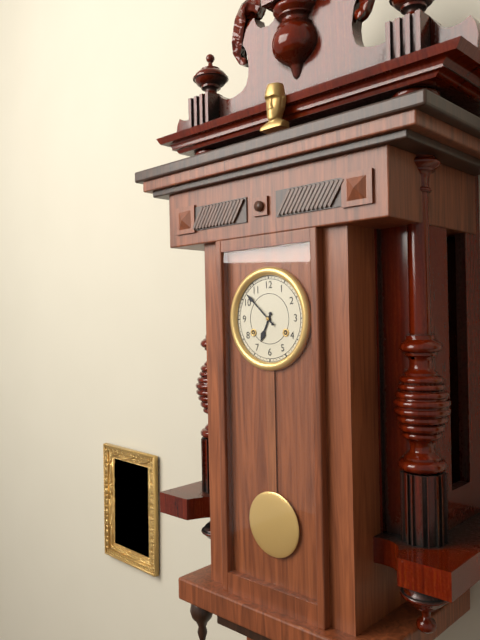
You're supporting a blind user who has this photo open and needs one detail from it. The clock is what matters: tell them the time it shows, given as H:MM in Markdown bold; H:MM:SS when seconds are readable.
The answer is **6:52**
